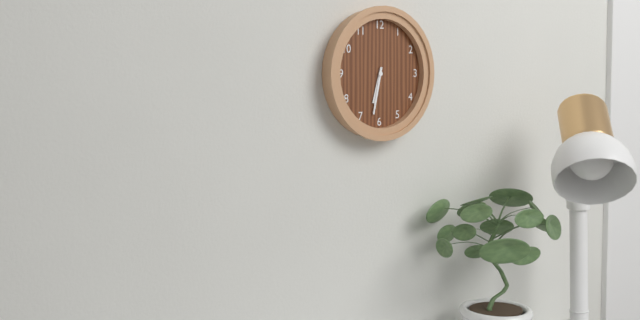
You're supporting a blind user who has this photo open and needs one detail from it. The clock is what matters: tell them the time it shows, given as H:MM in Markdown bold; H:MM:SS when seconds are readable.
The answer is **6:32**
